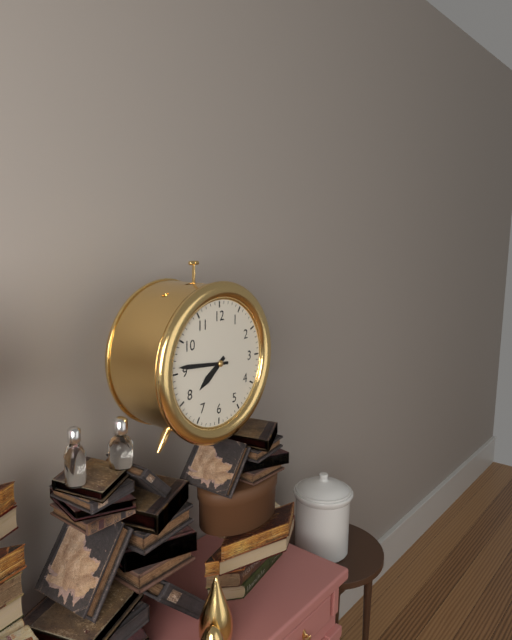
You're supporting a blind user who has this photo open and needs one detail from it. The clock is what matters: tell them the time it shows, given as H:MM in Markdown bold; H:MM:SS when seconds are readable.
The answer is **7:46**
